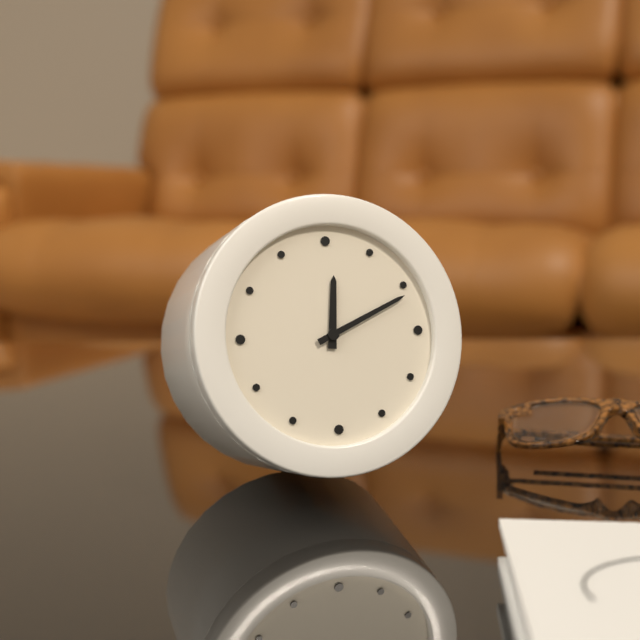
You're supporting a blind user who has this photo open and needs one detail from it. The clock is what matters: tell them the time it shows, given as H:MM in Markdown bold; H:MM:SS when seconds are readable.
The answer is **12:11**
